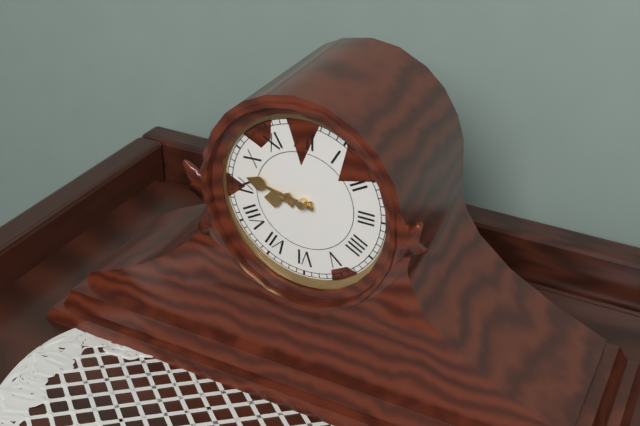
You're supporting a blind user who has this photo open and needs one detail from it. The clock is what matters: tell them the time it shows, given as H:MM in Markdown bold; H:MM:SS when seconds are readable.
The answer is **8:47**
